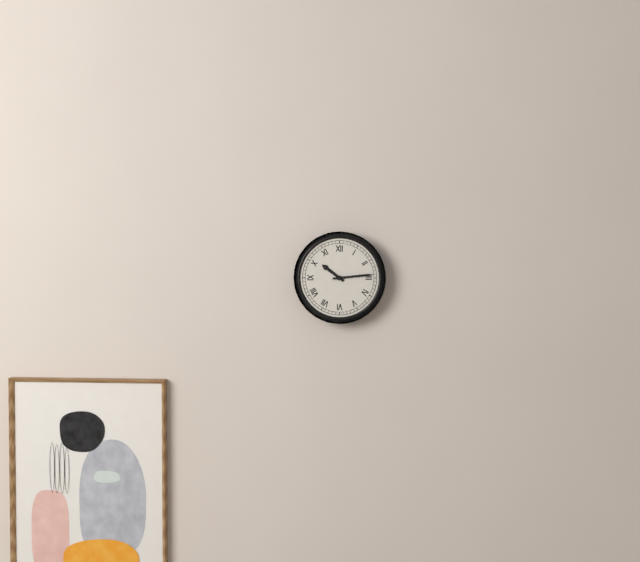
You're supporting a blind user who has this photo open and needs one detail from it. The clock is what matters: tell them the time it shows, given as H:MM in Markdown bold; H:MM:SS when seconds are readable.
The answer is **10:14**
